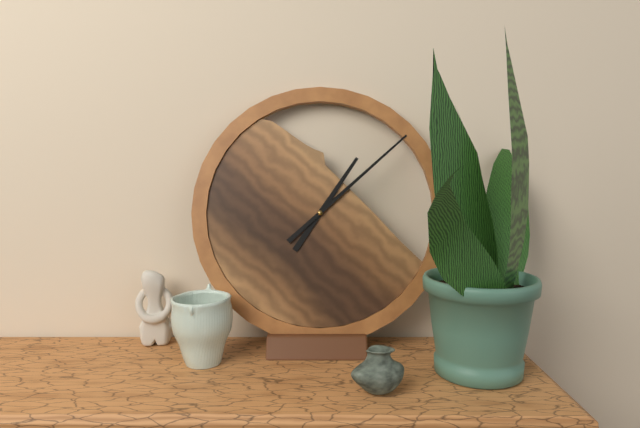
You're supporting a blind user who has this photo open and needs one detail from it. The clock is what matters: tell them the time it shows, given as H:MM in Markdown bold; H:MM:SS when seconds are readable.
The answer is **1:08**
